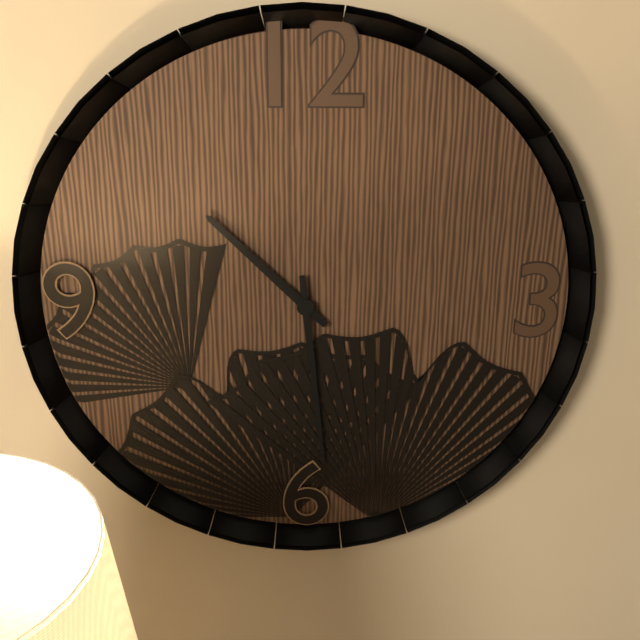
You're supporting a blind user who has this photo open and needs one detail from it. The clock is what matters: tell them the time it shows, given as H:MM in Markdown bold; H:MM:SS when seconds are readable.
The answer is **10:29**
